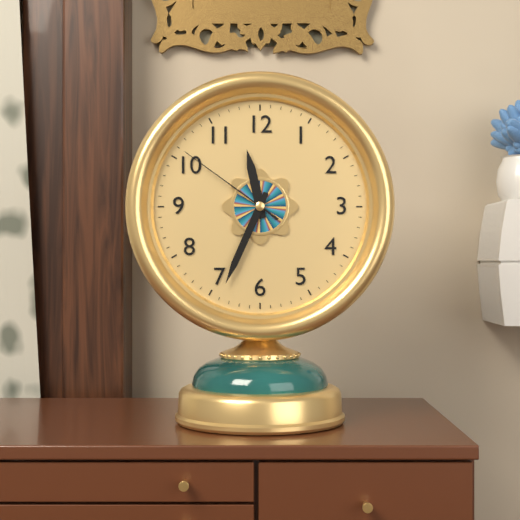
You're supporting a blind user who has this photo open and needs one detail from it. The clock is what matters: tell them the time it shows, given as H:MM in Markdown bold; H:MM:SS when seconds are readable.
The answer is **11:34:51**
